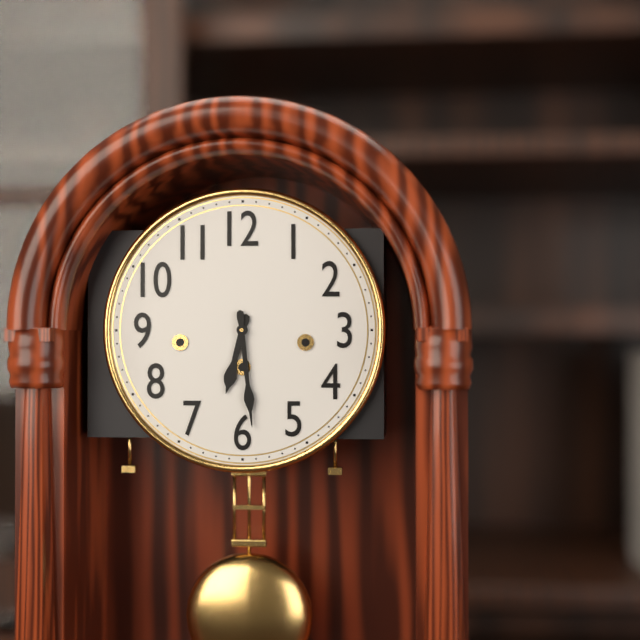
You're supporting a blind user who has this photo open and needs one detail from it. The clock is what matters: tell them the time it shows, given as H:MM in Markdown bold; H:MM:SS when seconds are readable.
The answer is **6:29**
